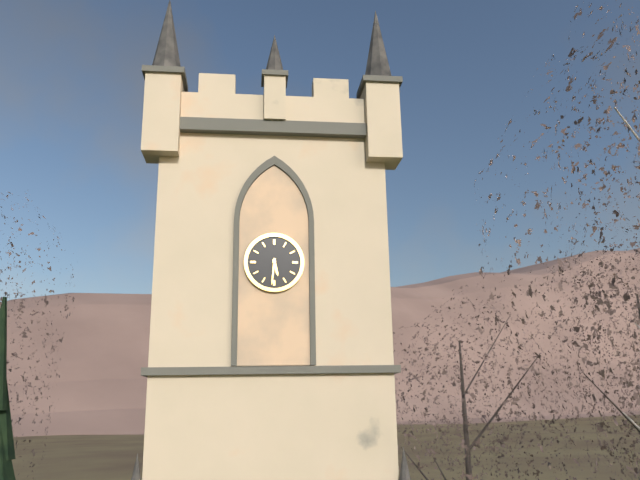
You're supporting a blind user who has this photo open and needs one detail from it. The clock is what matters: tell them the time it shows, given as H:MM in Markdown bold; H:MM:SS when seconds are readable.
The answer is **5:31**
